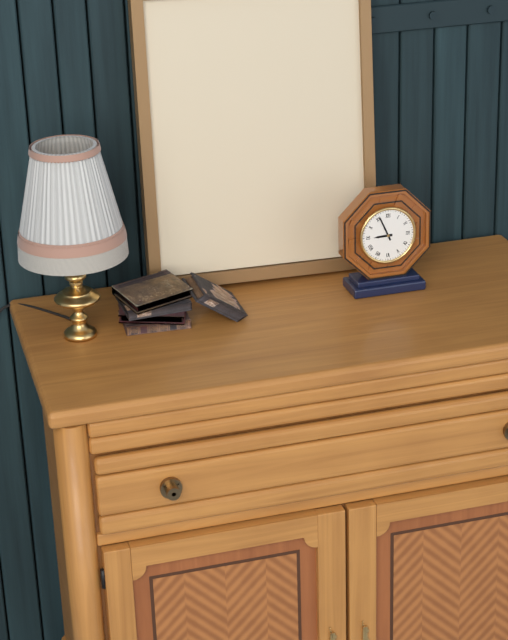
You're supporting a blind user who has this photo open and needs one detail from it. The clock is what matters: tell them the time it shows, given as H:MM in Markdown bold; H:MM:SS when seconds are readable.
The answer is **8:56**
